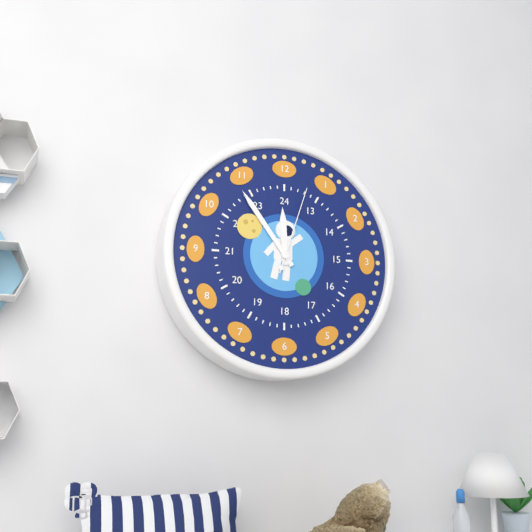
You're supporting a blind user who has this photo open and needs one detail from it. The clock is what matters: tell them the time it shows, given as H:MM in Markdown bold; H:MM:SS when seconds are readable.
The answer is **11:54:03**
